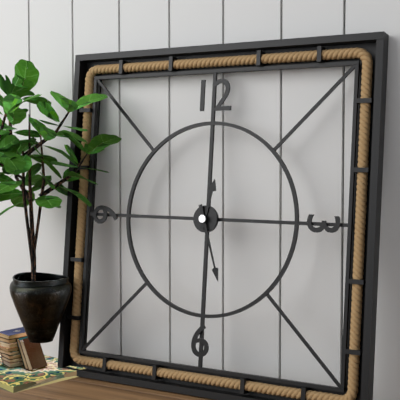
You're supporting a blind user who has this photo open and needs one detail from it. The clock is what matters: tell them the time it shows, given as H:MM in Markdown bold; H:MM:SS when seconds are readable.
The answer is **12:27**
